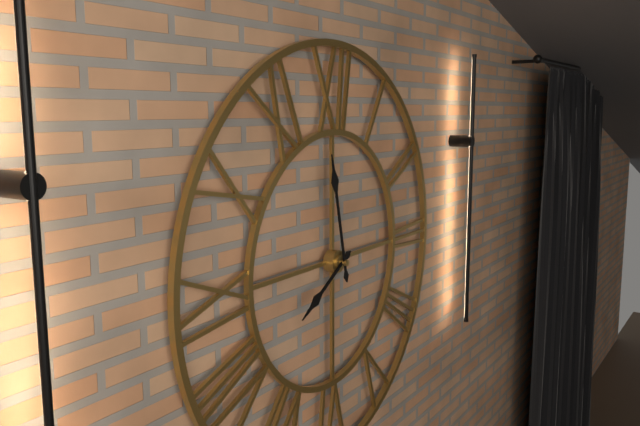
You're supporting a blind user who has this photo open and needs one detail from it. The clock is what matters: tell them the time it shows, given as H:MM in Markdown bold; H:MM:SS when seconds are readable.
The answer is **7:58**
